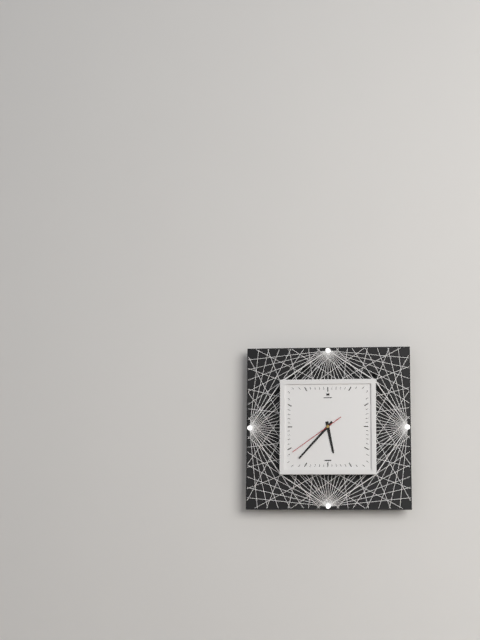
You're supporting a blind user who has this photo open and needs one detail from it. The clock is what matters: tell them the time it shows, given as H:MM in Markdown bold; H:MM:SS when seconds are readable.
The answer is **5:37:39**
